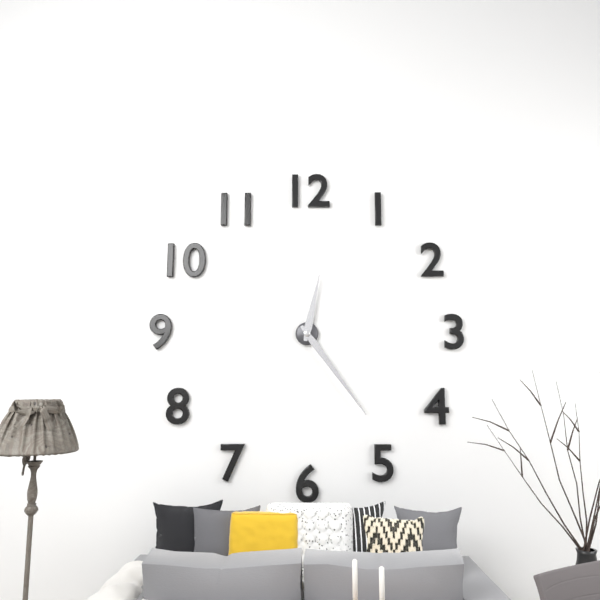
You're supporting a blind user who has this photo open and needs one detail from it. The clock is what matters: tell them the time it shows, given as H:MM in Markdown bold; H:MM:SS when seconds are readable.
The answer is **12:24**
